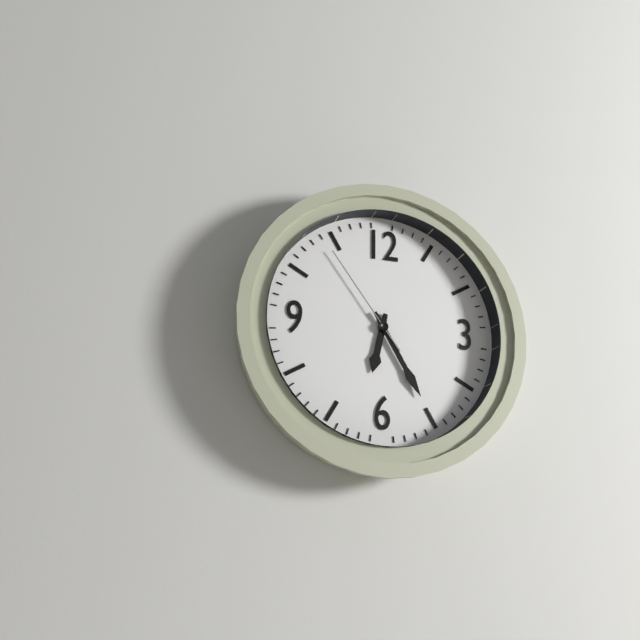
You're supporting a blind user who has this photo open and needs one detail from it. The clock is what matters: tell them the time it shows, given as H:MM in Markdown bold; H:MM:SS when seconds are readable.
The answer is **6:25:54**
